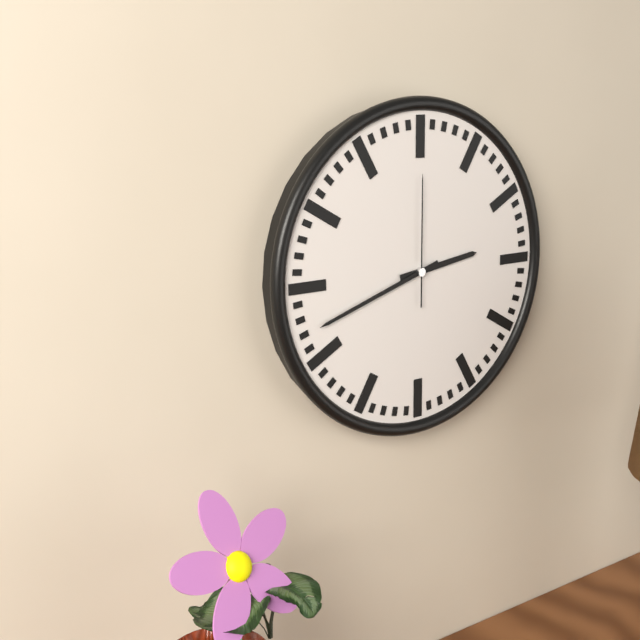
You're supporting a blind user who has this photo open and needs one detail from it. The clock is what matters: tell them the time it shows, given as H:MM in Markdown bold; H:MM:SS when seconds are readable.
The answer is **2:42:00**
